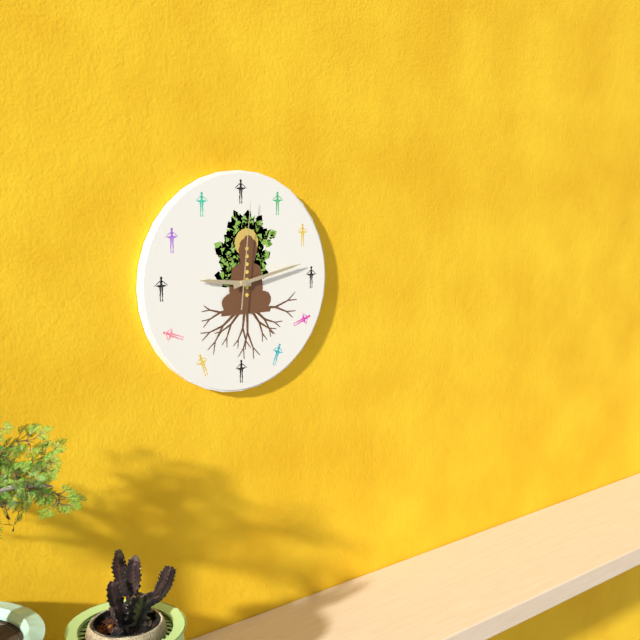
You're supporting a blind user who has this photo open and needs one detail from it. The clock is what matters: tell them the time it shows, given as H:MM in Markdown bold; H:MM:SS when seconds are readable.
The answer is **9:13:01**
